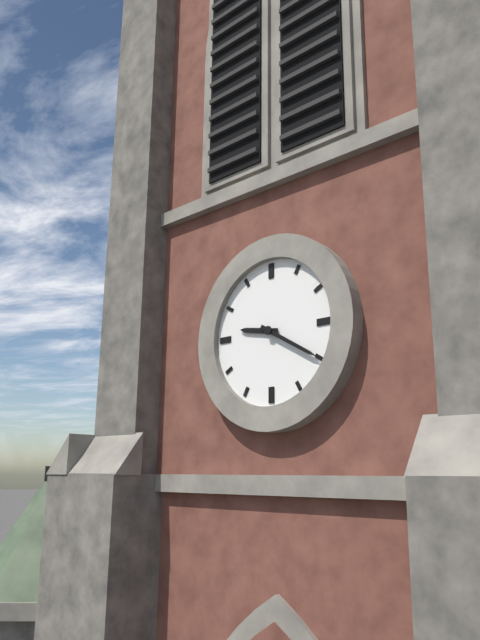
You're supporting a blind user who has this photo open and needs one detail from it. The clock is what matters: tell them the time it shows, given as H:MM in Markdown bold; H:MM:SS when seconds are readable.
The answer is **9:20**
